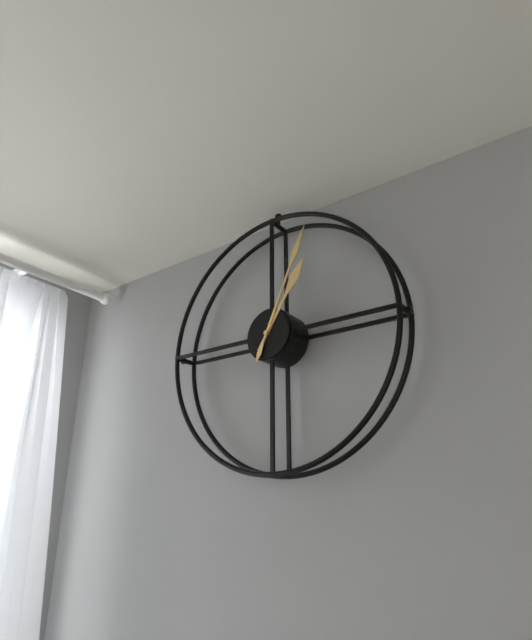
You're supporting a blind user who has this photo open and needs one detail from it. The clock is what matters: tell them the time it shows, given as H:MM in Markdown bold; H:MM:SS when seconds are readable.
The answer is **1:04**
